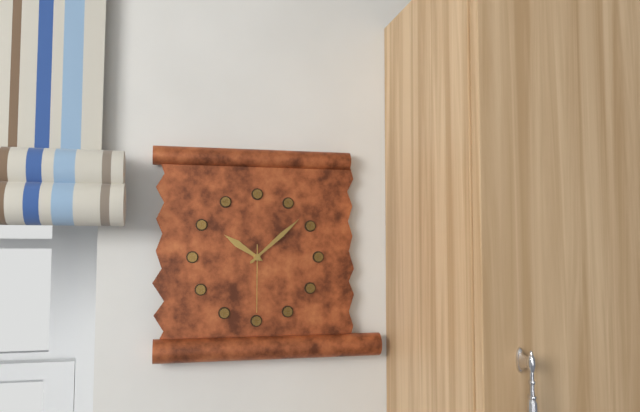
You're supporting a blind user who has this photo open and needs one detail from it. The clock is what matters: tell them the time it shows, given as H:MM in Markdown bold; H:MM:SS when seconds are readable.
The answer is **10:08:30**
